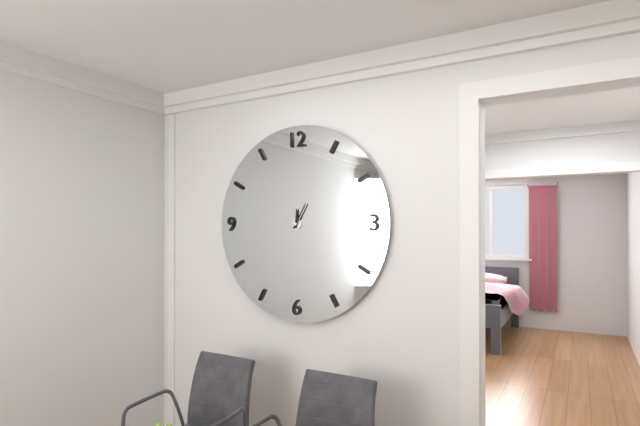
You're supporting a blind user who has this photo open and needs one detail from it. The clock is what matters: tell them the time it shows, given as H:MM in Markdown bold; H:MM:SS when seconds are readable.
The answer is **12:05**
